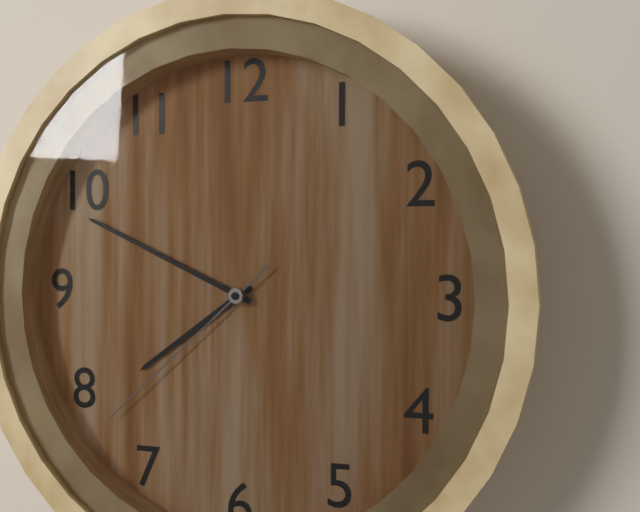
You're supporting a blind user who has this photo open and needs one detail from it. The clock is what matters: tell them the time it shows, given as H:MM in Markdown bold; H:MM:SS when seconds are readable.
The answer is **7:49:38**
